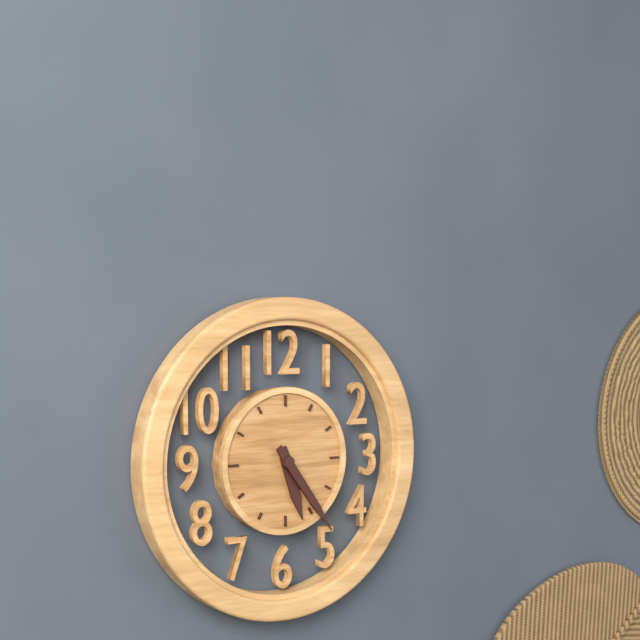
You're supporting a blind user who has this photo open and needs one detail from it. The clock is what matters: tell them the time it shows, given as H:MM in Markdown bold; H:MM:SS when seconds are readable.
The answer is **5:24**
